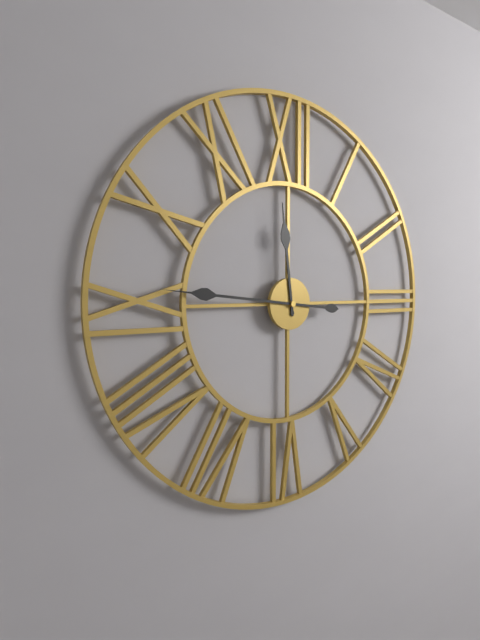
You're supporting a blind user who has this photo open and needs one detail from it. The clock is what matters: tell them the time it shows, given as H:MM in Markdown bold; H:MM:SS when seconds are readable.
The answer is **11:46**
